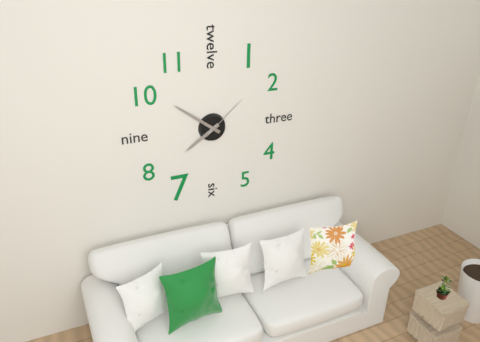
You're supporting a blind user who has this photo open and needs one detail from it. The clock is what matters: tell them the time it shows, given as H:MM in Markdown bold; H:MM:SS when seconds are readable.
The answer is **7:51:08**
